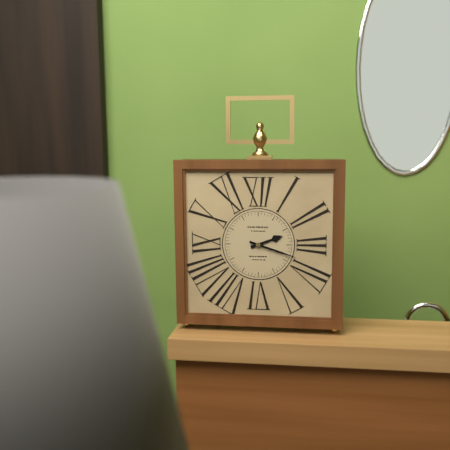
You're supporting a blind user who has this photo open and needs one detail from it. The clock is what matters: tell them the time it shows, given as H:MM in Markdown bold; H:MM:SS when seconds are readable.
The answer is **2:18**
